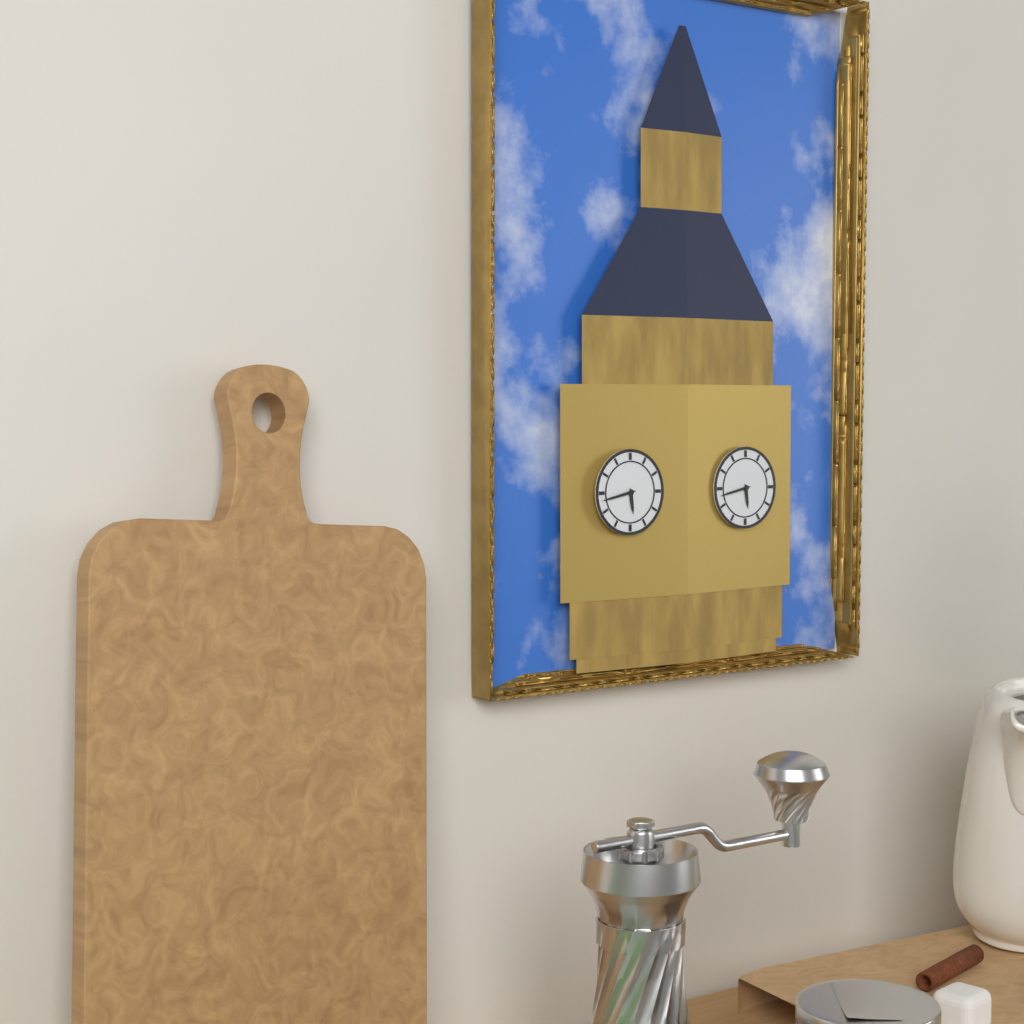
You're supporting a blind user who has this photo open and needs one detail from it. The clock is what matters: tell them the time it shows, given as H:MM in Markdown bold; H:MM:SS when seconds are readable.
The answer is **5:43**
